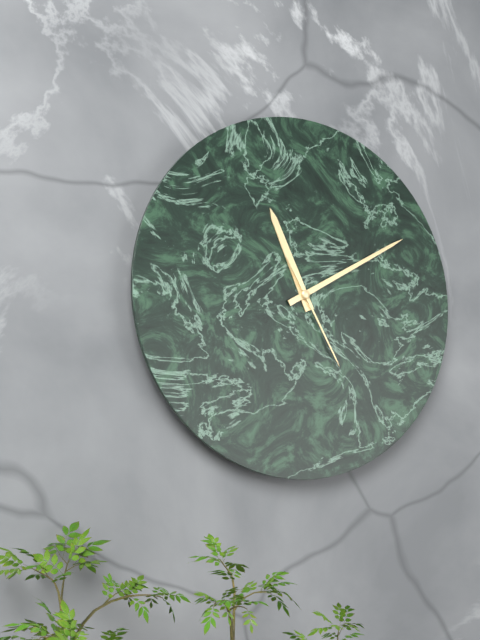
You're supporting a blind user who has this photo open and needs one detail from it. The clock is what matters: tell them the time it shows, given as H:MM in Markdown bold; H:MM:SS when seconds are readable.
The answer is **11:10:25**
